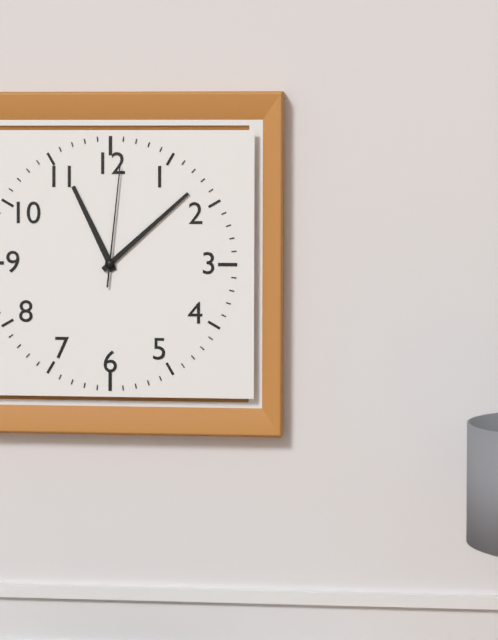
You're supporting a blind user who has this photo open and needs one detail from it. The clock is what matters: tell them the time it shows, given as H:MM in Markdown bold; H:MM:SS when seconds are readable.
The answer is **11:08:01**
